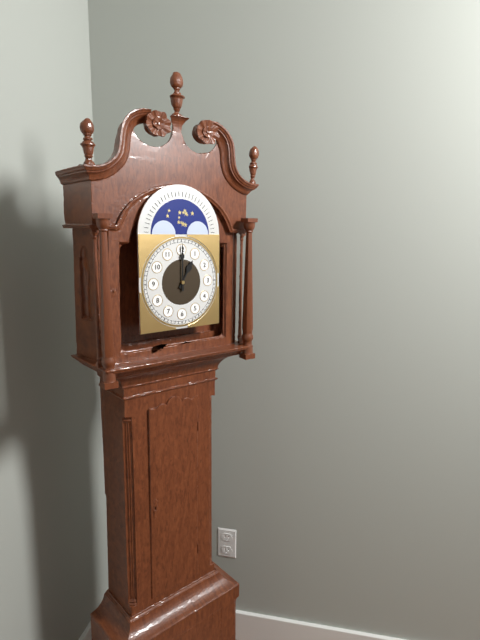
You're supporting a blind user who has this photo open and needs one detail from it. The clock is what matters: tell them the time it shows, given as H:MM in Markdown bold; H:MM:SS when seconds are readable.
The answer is **1:00**
